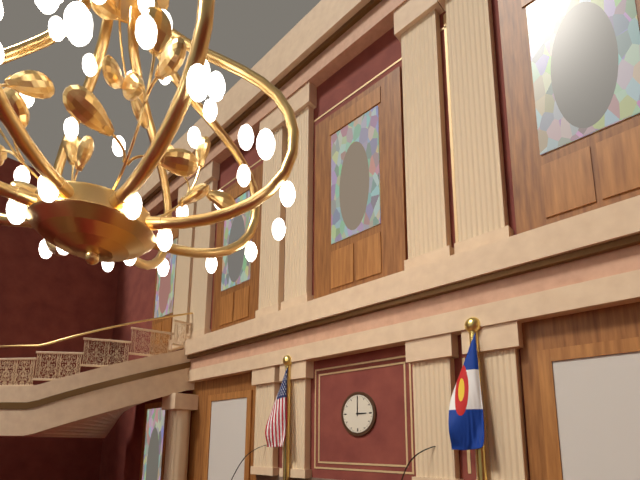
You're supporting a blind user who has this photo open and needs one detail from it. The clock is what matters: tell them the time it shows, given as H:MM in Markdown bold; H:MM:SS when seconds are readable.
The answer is **3:00**
